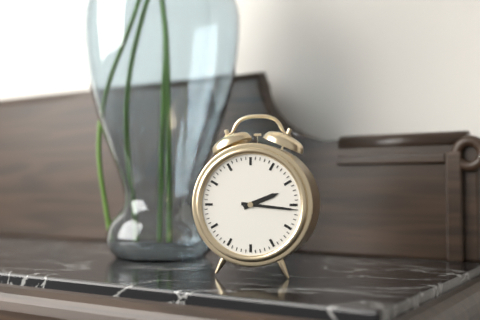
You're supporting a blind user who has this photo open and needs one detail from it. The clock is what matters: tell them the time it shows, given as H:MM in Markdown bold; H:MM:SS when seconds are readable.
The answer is **2:16**
